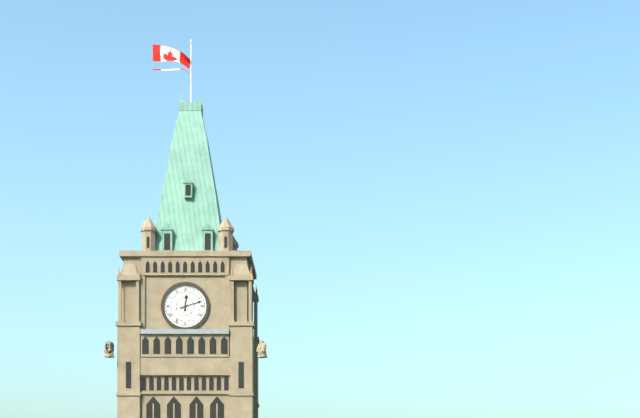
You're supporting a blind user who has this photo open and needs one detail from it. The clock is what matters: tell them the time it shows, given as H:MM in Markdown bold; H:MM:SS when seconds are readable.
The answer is **12:12**
